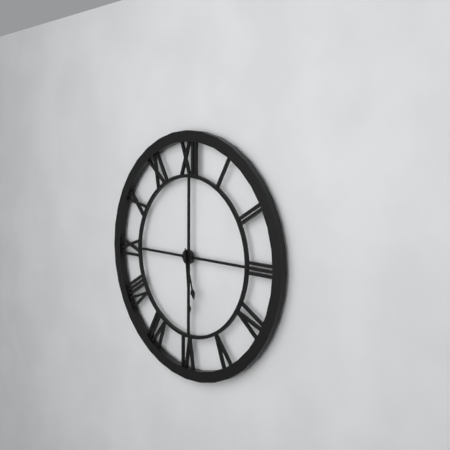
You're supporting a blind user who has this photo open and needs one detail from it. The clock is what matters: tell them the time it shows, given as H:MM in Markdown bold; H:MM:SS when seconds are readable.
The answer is **5:29**
